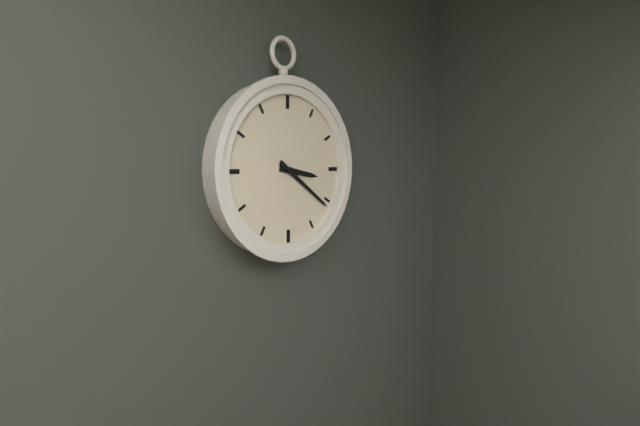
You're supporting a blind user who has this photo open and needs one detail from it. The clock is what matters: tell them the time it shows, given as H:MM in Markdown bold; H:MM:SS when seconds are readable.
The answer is **3:21**
